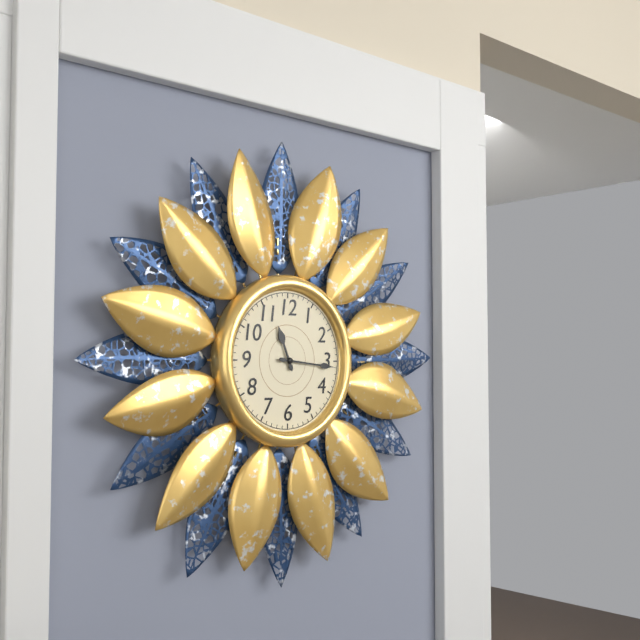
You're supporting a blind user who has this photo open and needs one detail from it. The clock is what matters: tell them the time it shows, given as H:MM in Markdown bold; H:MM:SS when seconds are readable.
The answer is **11:16**
